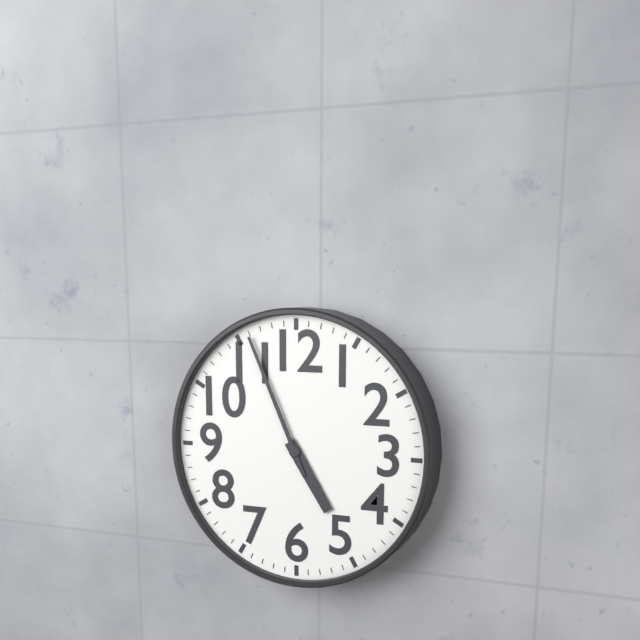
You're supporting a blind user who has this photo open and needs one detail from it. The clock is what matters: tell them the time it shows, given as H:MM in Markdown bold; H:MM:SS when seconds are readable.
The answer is **4:56**
